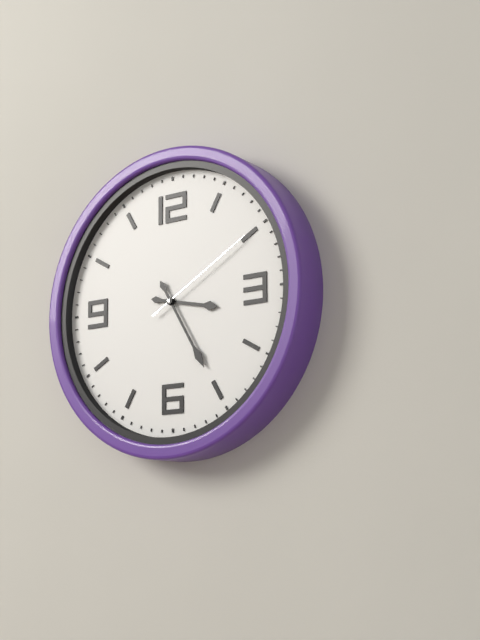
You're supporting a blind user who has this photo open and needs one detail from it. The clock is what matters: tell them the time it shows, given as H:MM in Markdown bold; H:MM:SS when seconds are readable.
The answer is **3:25:10**
